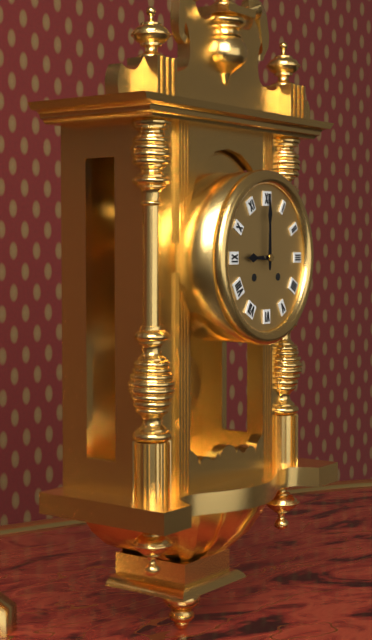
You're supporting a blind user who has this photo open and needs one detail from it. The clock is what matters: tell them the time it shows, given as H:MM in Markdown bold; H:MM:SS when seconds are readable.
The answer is **9:00**
